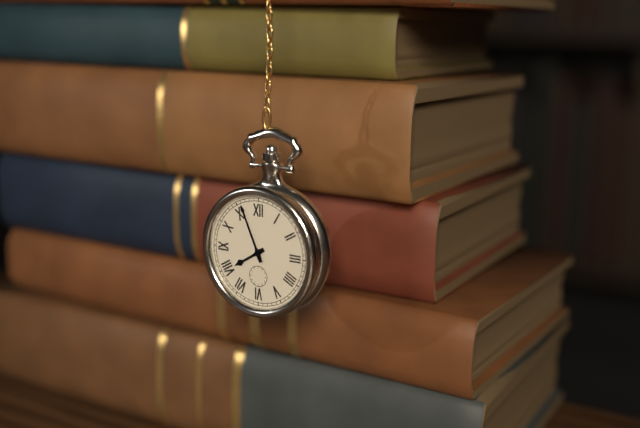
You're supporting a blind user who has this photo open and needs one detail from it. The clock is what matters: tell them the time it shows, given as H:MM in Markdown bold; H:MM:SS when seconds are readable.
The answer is **7:56**
